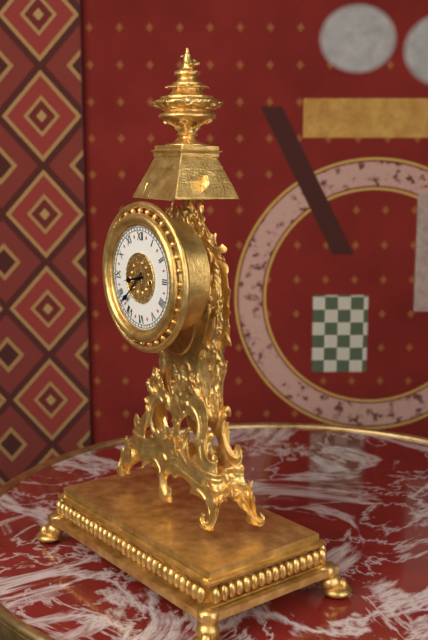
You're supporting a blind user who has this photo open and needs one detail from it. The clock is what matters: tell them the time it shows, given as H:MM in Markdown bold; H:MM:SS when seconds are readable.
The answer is **8:38**
